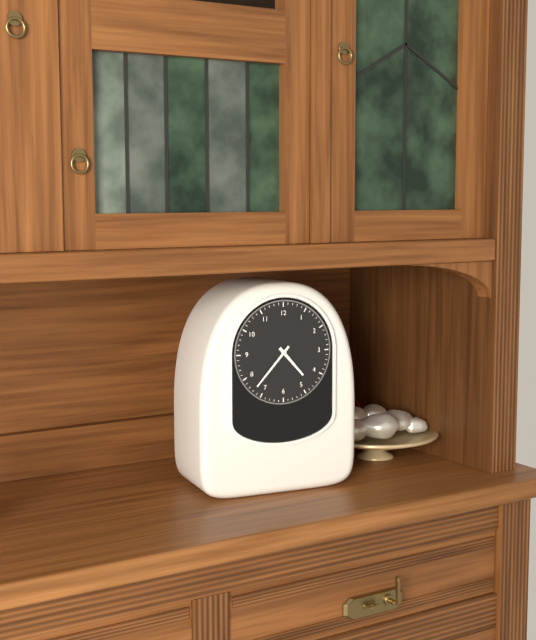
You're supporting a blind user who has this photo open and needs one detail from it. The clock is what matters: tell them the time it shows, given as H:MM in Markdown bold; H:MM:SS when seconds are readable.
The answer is **4:37**
